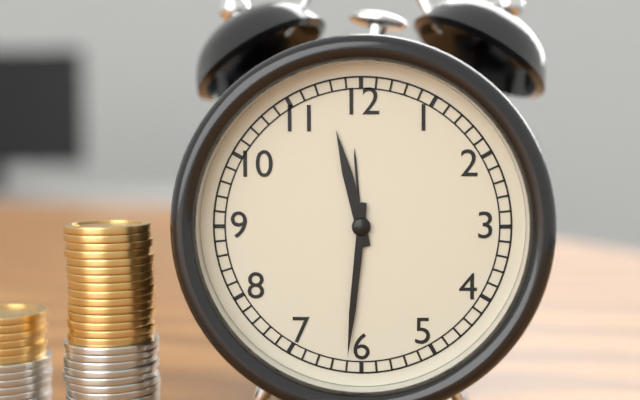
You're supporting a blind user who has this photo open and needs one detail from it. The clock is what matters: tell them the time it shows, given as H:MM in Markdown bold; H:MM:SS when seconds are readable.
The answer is **11:31**
